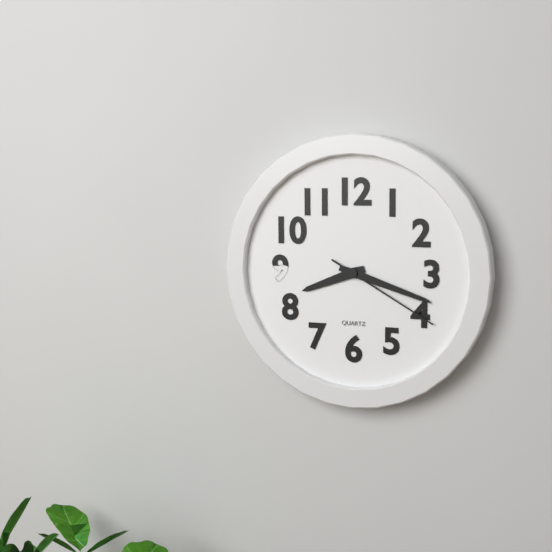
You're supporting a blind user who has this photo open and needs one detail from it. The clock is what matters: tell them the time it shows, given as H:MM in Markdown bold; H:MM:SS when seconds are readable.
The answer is **8:18:20**
